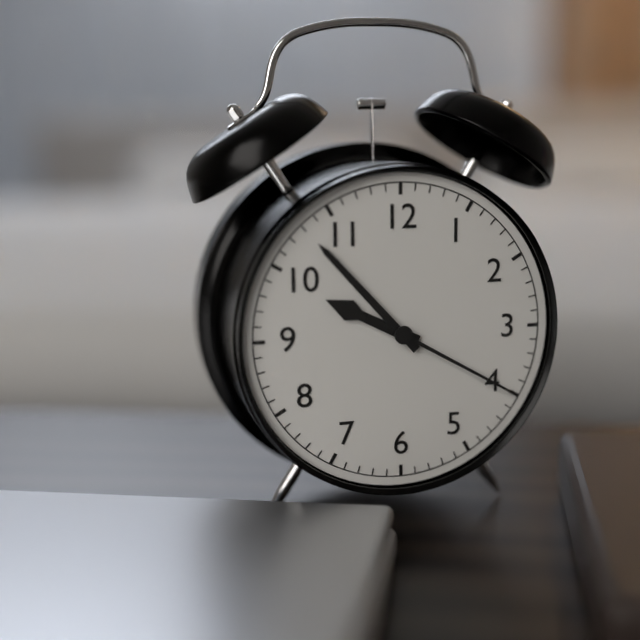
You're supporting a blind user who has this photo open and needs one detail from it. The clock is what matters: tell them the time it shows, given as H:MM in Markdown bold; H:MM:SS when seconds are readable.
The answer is **9:53:20**
